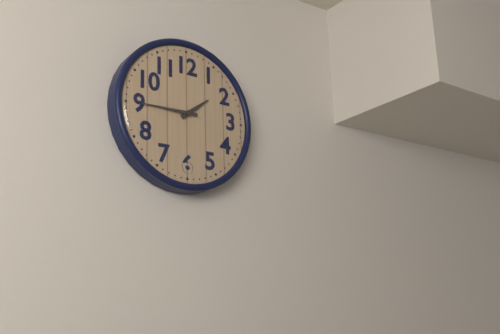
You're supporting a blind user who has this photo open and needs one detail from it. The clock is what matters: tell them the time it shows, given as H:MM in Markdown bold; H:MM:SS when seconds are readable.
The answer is **1:45**
